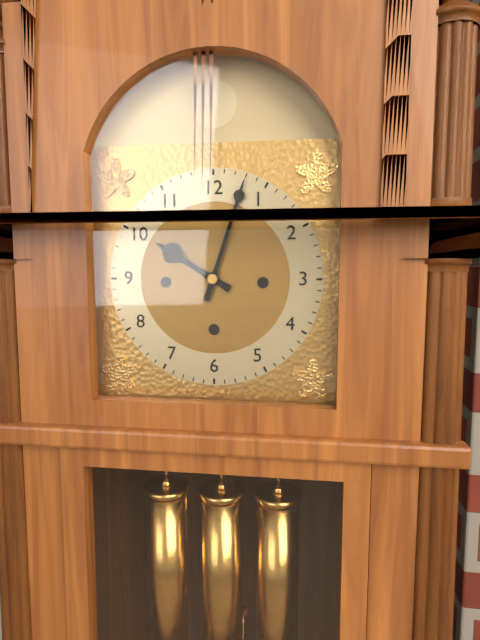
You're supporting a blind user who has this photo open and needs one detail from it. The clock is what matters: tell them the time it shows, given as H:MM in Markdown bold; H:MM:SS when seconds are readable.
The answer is **10:03**
